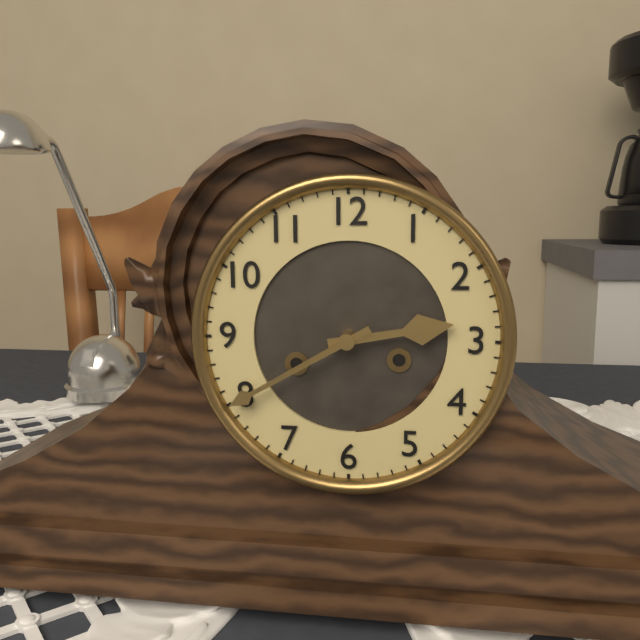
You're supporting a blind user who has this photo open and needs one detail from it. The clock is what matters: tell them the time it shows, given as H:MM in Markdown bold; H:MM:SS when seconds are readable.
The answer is **2:40**
